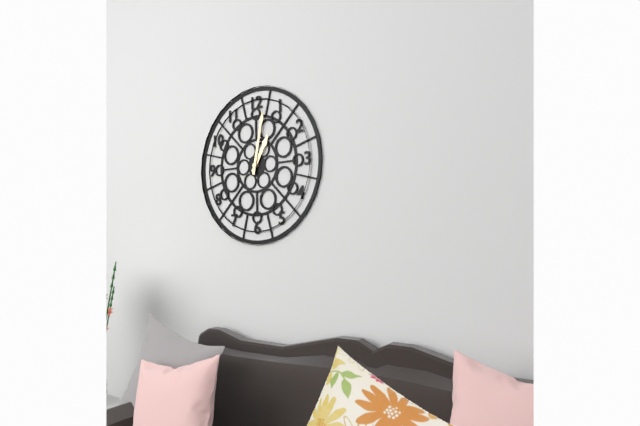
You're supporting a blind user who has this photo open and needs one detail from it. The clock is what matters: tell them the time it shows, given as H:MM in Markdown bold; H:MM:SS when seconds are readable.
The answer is **1:02**
